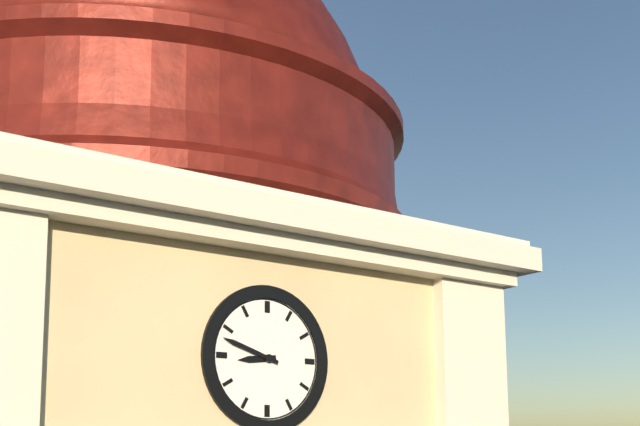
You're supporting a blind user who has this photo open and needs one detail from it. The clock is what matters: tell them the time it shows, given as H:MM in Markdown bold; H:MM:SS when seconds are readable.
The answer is **8:48**
